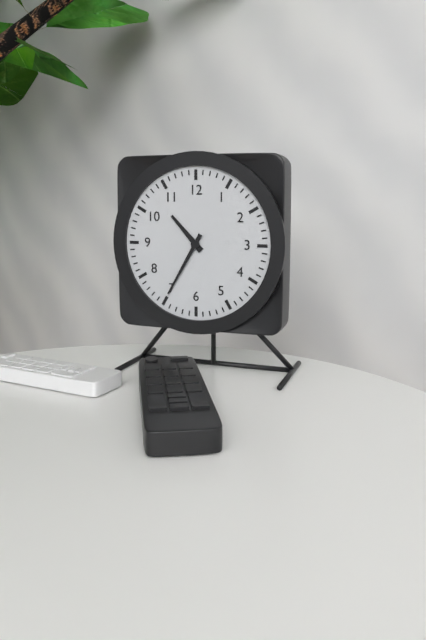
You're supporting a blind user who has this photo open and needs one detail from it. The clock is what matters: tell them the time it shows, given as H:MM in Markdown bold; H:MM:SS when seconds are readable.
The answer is **10:35**
